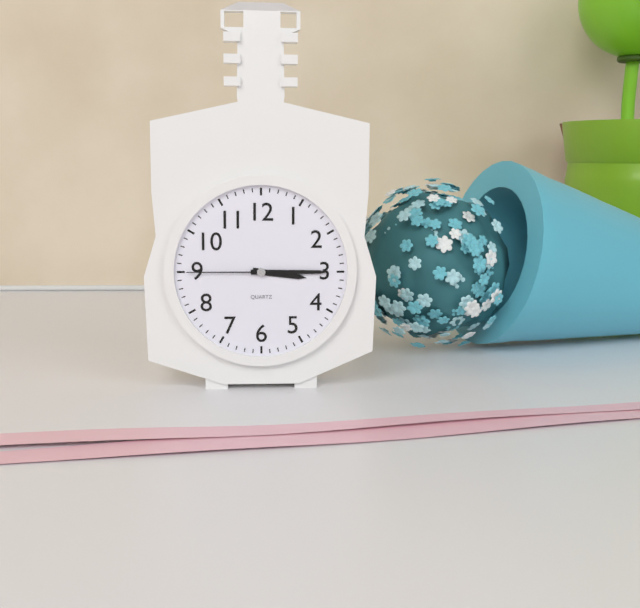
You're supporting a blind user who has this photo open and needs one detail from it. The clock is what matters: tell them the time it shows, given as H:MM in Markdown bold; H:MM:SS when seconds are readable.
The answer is **3:15:45**
